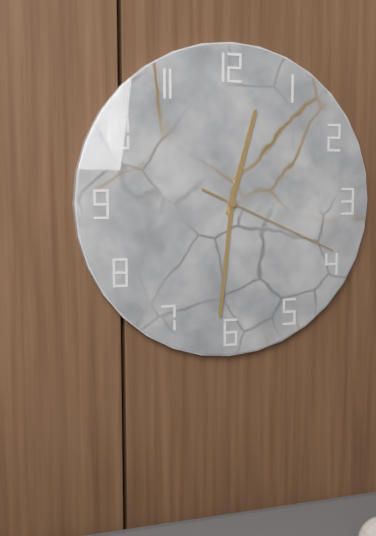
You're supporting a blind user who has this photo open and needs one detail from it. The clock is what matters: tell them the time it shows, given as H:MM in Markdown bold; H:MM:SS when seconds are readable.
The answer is **12:31:19**
